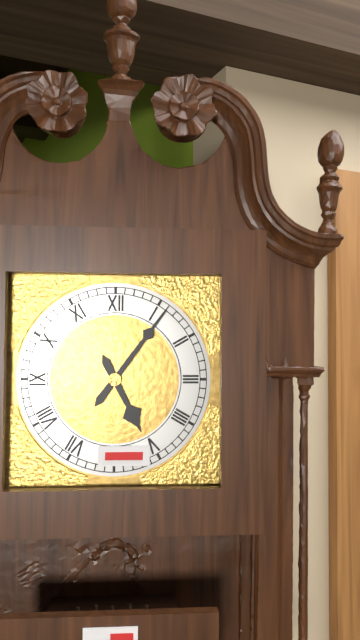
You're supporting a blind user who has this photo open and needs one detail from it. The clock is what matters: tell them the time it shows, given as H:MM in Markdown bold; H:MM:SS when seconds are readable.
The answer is **5:06**
